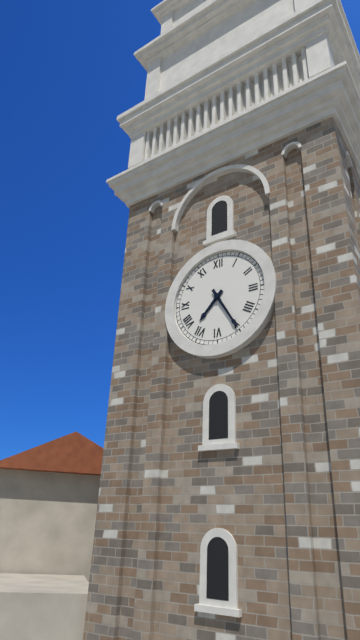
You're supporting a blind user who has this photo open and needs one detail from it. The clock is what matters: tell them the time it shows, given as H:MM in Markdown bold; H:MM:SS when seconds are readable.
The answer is **7:25**
